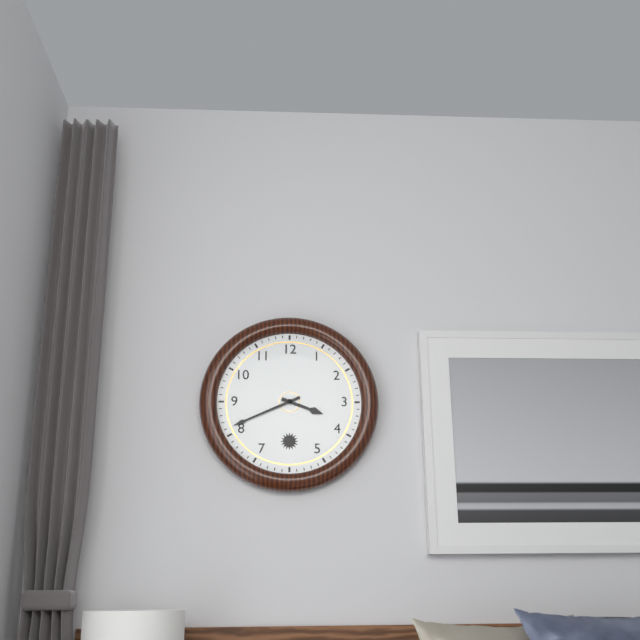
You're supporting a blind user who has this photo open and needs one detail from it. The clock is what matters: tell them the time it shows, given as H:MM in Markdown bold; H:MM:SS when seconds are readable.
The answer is **3:41**
